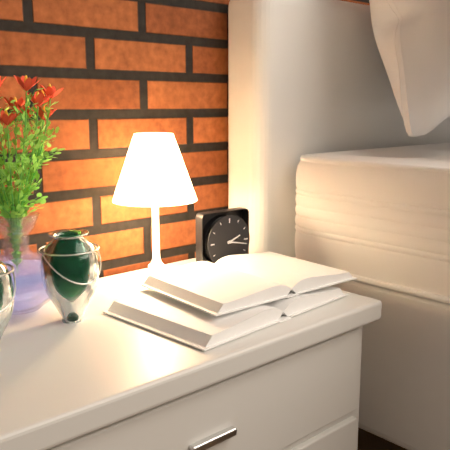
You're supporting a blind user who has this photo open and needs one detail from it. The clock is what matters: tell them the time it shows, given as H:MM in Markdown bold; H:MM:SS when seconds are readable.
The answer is **2:17**
